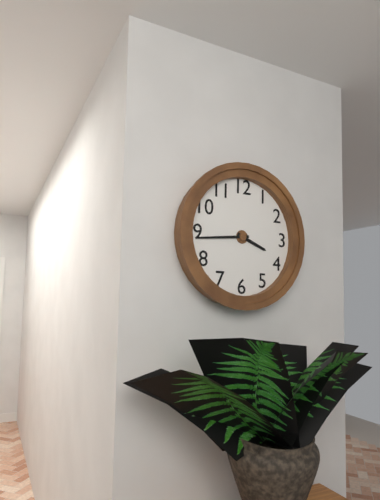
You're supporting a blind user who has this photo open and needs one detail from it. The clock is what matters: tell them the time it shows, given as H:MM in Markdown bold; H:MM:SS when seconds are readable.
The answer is **3:44**
